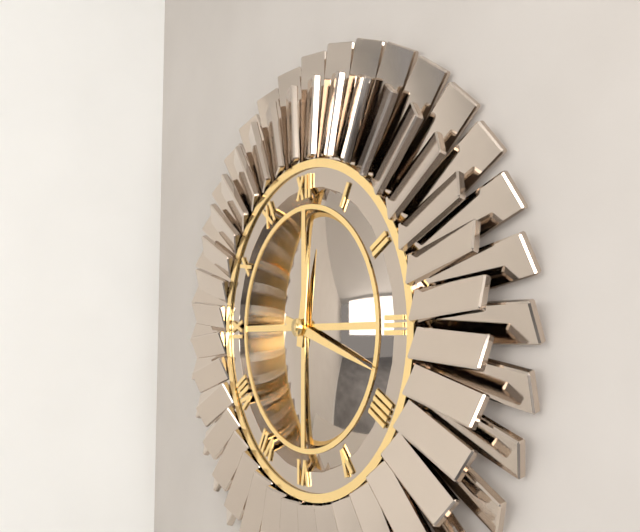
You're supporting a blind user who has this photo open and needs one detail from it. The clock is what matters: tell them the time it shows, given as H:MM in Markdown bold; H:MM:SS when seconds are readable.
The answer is **12:18**
